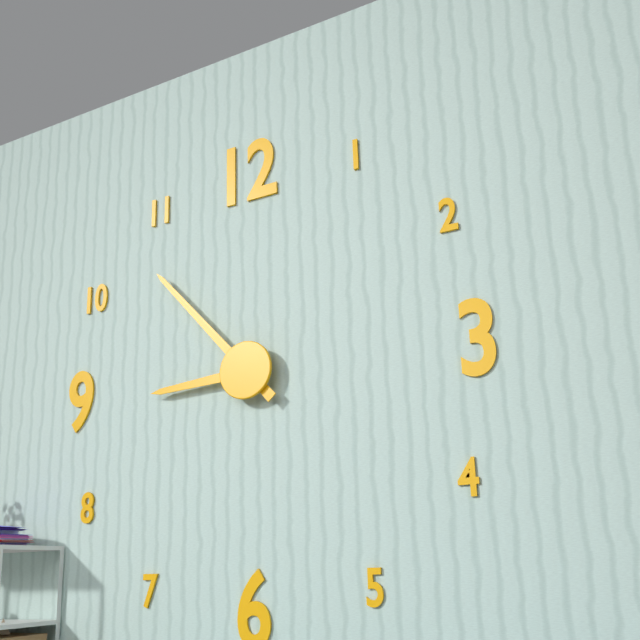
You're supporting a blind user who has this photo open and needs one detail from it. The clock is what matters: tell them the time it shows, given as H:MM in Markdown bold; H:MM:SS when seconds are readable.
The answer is **8:53**
